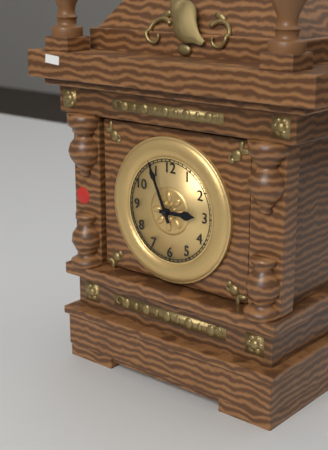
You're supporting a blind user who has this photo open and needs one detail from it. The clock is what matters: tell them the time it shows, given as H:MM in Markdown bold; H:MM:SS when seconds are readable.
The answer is **2:56**
